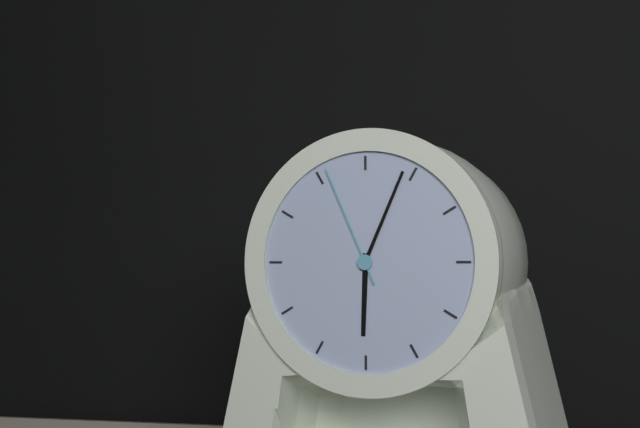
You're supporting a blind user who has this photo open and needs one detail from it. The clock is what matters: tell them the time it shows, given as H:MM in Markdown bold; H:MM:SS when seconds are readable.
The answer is **6:04:56**
